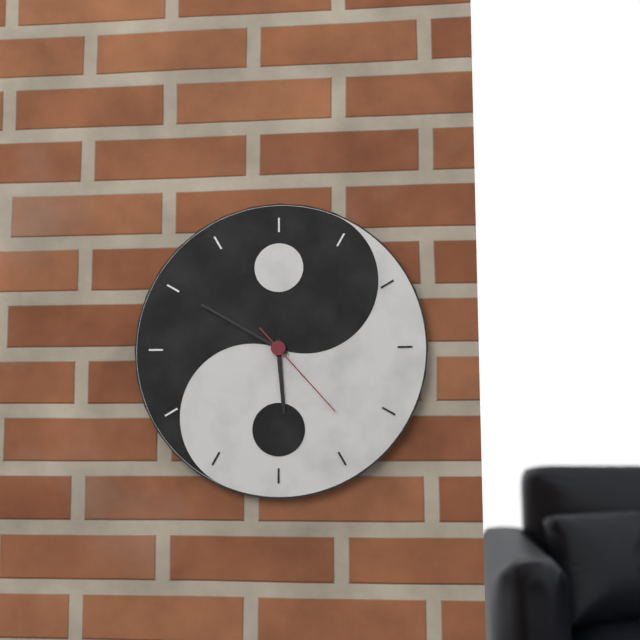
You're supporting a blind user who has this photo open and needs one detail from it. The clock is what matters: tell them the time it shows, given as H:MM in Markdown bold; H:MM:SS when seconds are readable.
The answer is **5:50:23**
